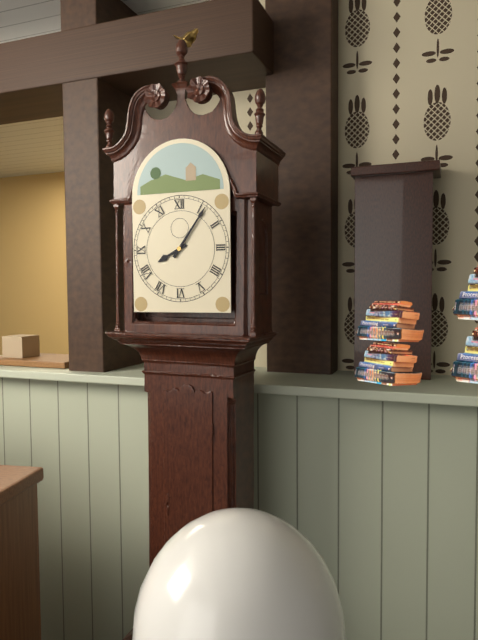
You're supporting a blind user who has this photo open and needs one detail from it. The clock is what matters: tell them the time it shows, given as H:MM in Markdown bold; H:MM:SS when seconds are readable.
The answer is **8:06**
